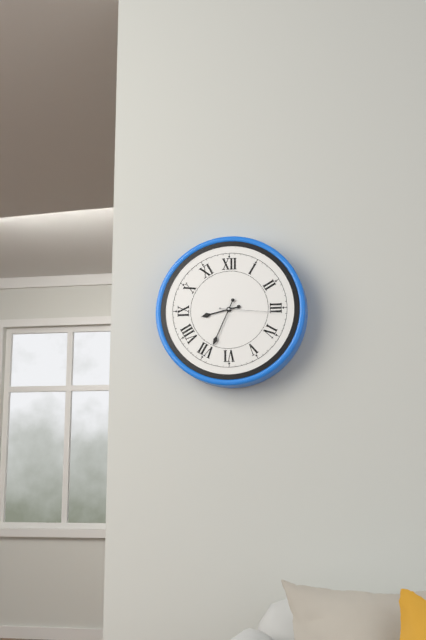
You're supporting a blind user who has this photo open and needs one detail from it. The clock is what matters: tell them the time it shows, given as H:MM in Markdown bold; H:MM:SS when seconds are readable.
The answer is **8:34:16**
